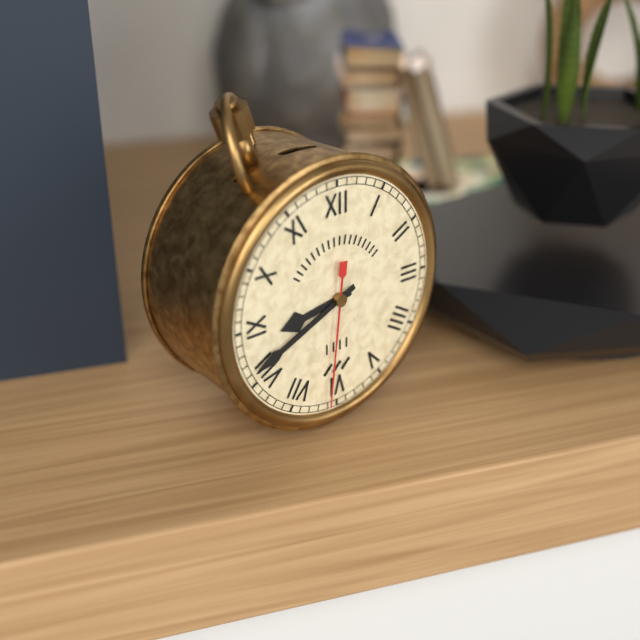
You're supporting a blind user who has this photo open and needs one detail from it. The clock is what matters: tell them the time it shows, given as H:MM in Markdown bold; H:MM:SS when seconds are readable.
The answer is **8:41:31**
